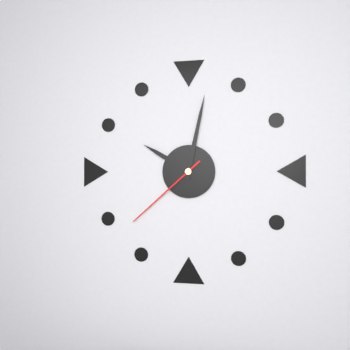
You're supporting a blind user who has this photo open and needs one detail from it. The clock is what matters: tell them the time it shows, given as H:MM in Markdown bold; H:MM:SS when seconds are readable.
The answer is **10:02:38**
